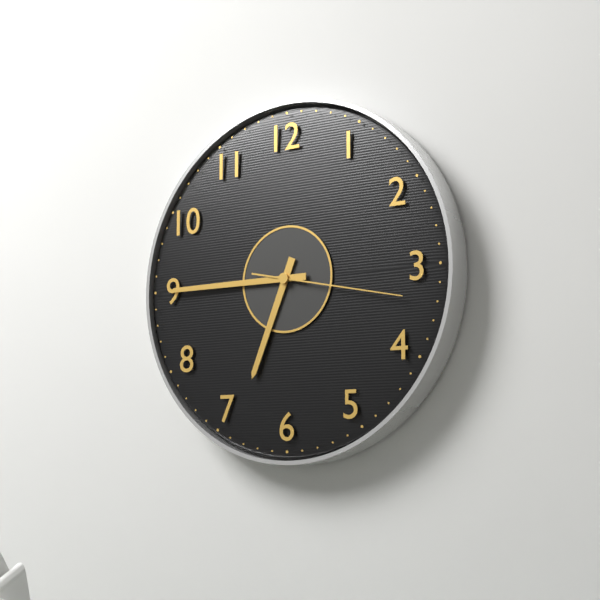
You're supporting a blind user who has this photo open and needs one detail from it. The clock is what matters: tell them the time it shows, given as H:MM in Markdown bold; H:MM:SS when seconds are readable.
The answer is **6:45:17**
